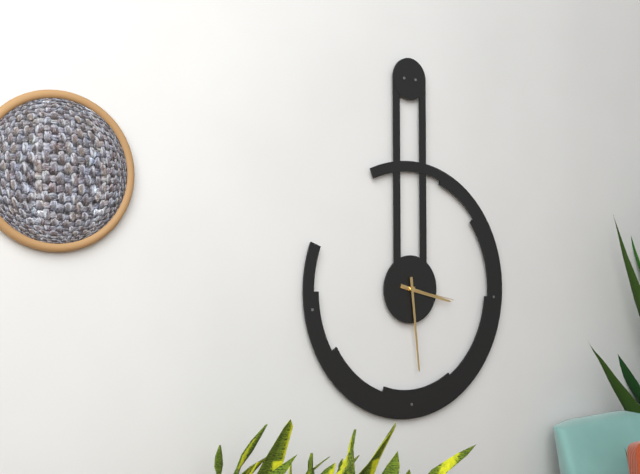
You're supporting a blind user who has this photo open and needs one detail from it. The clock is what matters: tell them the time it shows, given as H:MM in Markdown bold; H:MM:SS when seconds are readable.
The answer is **3:29:17**
